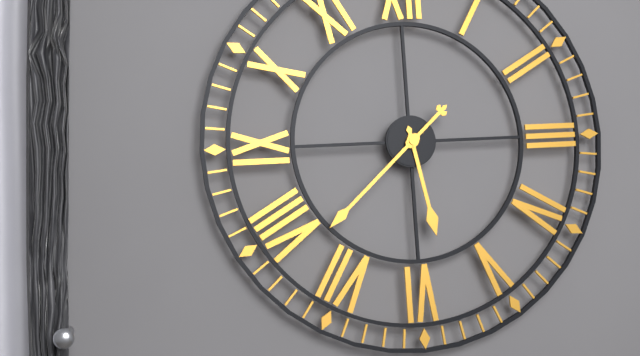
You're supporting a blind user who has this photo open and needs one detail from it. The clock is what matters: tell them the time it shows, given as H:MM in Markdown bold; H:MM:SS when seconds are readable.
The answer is **5:38**
